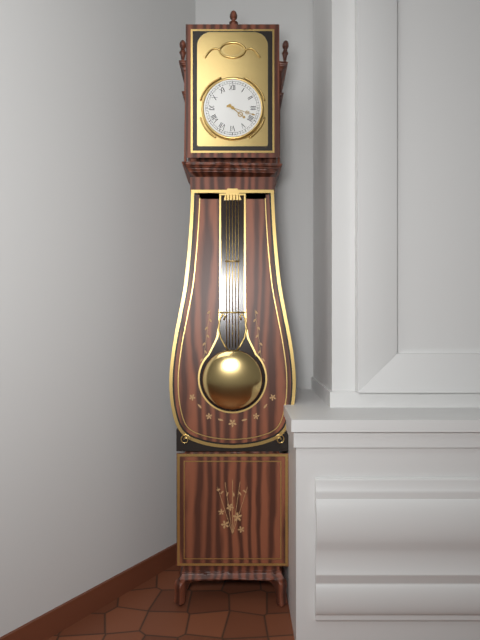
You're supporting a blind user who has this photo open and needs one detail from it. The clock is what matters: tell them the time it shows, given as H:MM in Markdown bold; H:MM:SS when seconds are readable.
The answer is **4:18**
